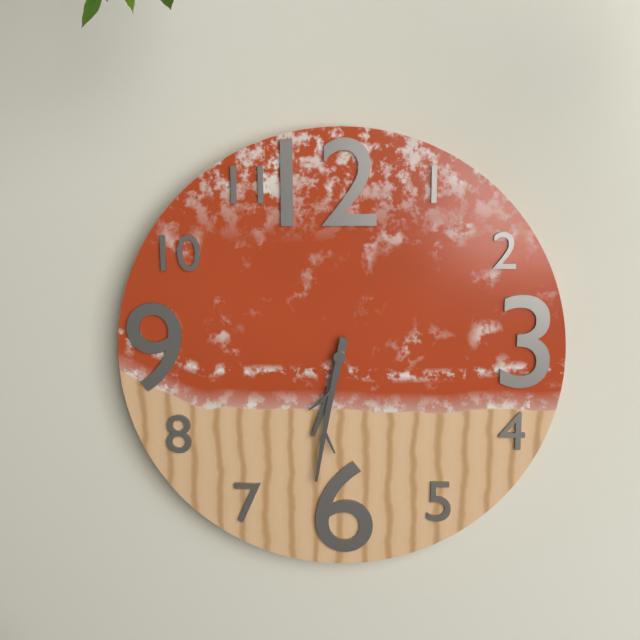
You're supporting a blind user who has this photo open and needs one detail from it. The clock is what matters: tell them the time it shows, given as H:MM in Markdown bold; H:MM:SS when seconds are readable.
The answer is **6:32**
